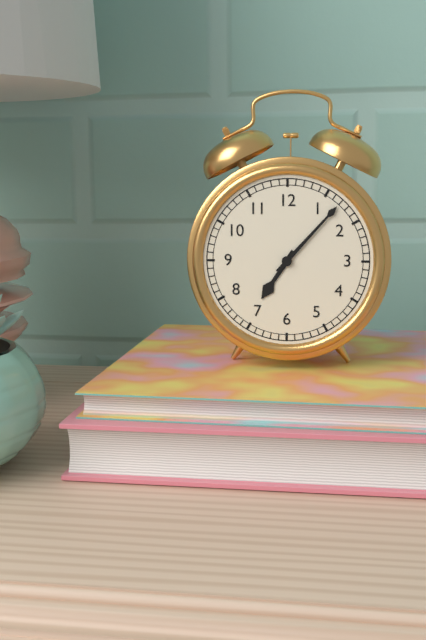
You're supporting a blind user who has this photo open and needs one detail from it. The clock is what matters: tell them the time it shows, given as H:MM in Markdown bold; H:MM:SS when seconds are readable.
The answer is **7:07**
